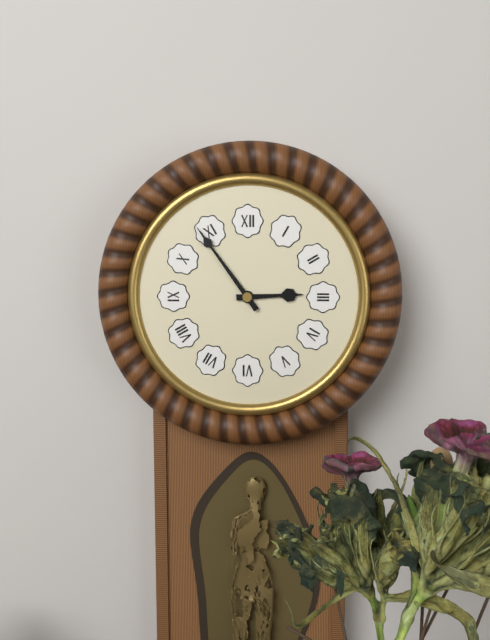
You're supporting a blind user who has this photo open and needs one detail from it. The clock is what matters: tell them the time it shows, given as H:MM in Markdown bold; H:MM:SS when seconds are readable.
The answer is **2:54**
